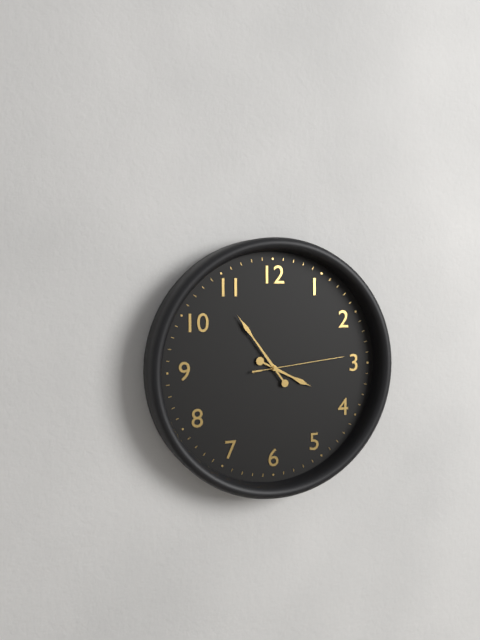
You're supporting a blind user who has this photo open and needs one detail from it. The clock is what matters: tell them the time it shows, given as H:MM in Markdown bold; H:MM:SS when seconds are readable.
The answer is **3:54:14**
